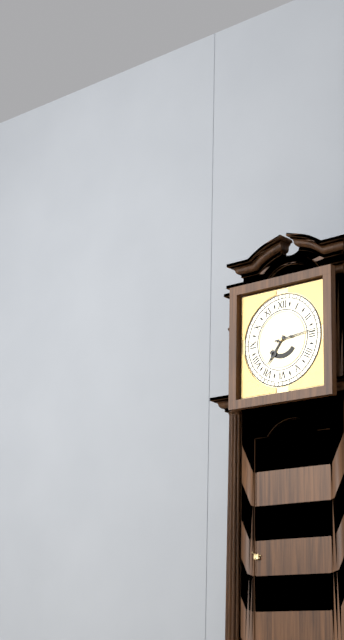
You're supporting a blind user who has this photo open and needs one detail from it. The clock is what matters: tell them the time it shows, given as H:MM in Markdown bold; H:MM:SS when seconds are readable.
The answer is **7:14**
